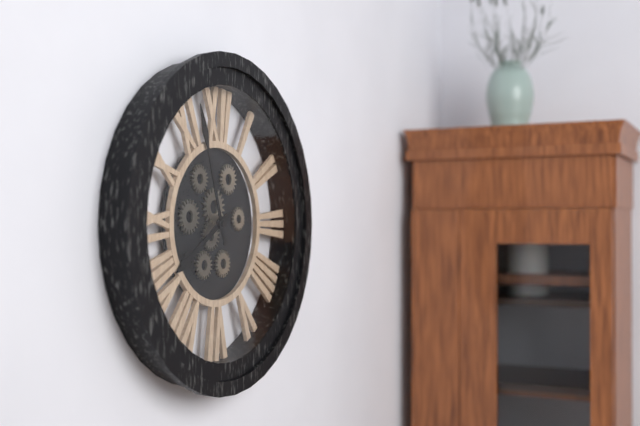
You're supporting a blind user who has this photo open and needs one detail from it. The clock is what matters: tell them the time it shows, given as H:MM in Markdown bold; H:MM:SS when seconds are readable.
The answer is **7:57**
